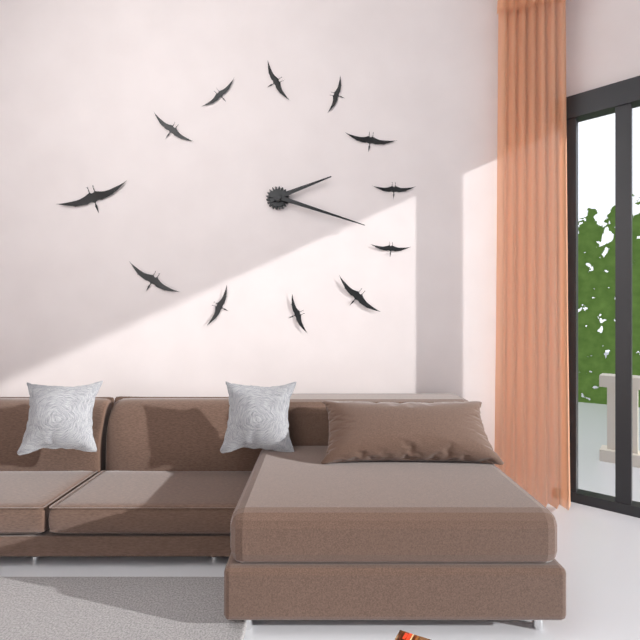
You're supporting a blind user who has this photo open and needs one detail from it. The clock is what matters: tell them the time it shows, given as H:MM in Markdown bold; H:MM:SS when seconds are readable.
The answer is **2:18**
